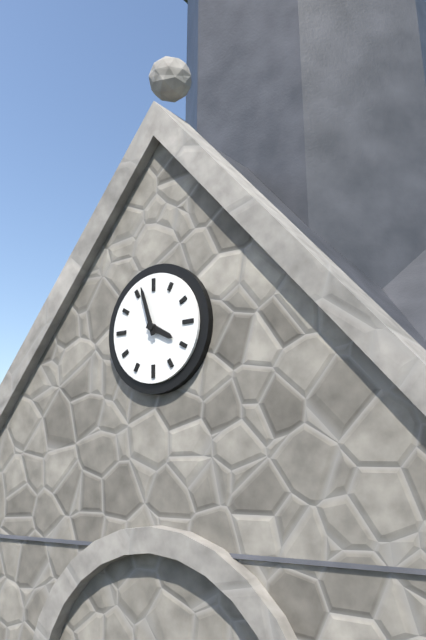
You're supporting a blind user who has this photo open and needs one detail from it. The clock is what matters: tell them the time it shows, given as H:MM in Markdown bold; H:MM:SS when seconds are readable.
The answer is **3:57**
